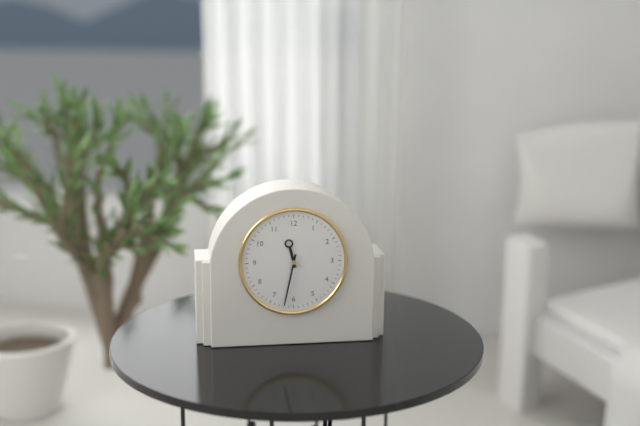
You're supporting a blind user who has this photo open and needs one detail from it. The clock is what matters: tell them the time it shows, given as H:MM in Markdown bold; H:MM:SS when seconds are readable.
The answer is **11:32**
